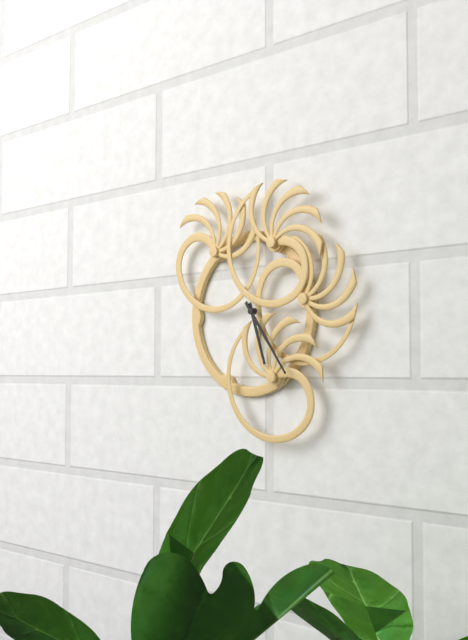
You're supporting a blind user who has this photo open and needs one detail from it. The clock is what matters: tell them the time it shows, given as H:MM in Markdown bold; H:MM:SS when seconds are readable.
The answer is **5:24**
